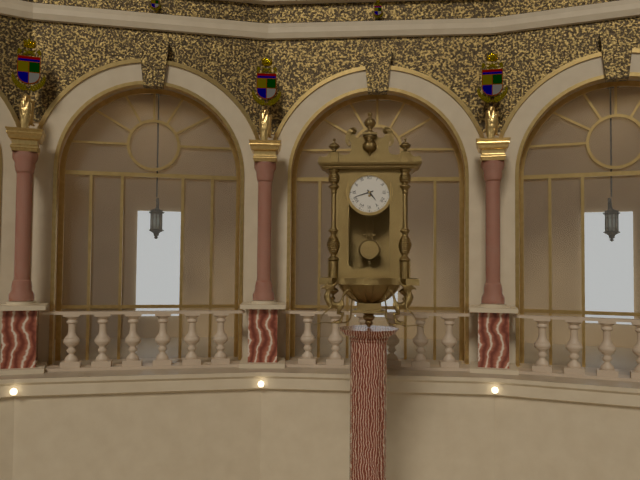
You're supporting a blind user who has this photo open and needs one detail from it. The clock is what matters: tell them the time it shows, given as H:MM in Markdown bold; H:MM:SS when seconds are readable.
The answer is **4:42**
